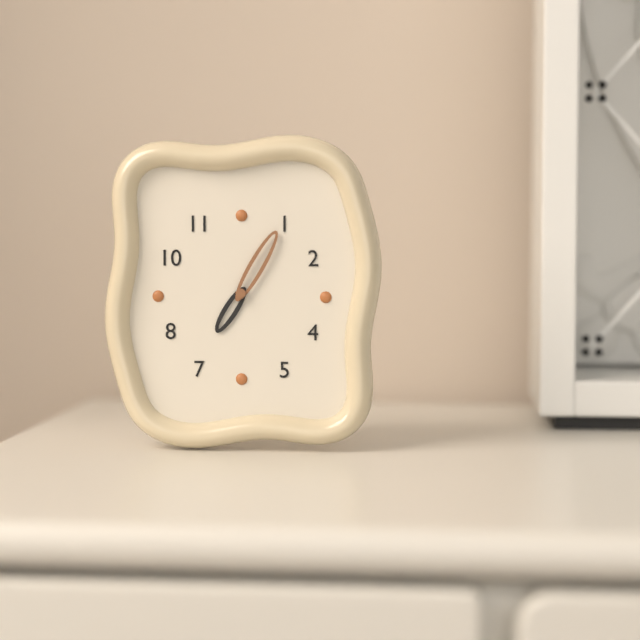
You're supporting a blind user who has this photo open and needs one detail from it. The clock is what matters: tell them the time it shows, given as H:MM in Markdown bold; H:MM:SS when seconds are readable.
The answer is **7:05**
